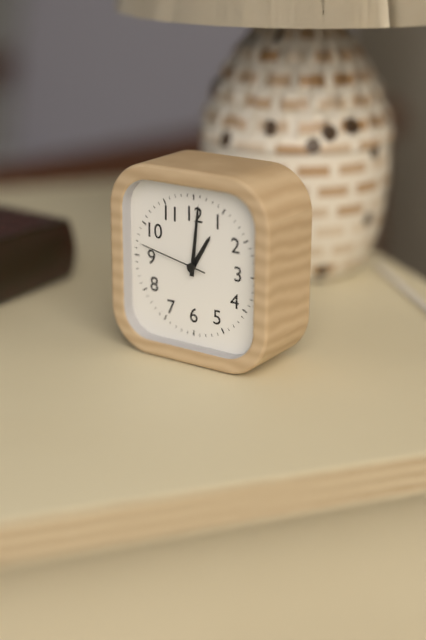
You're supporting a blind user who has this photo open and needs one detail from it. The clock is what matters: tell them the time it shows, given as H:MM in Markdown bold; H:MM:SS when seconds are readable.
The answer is **1:01:47**
